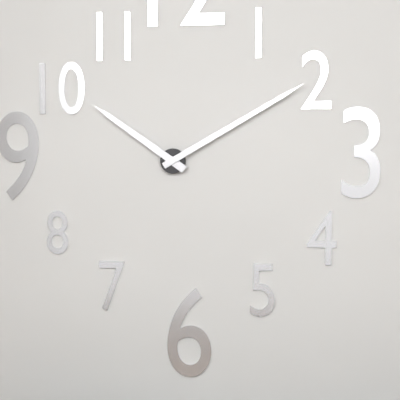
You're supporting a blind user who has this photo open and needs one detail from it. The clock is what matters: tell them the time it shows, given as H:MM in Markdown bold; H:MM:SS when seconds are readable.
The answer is **10:10**
